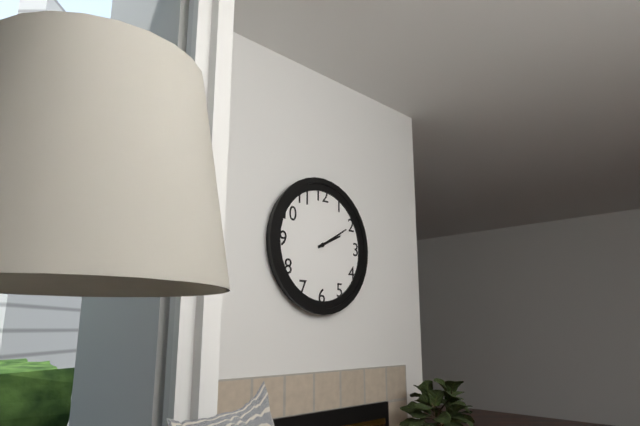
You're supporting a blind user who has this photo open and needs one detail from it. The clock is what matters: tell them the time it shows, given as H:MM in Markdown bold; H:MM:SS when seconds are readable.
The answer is **2:10**
